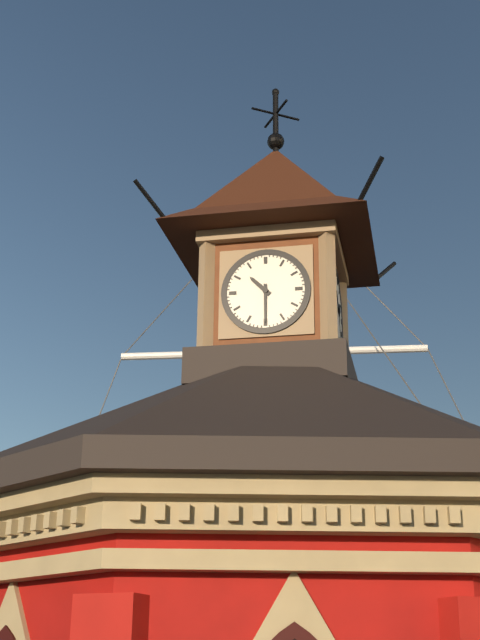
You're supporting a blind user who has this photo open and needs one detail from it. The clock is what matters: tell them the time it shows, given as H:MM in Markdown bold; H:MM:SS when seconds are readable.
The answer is **10:30**
